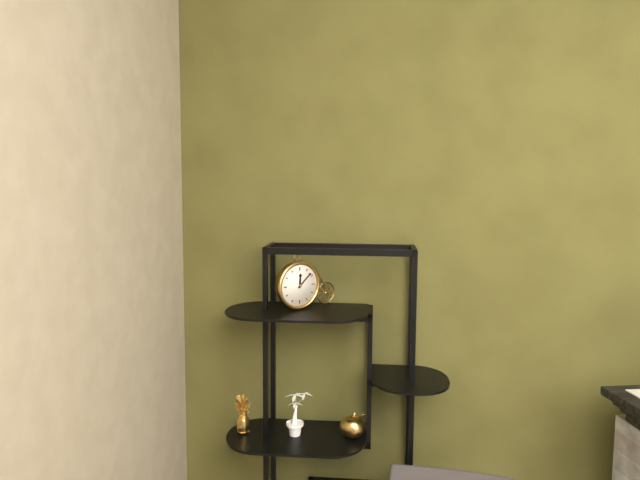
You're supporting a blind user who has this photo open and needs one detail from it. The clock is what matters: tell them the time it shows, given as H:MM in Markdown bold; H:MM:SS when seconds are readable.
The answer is **12:08**
